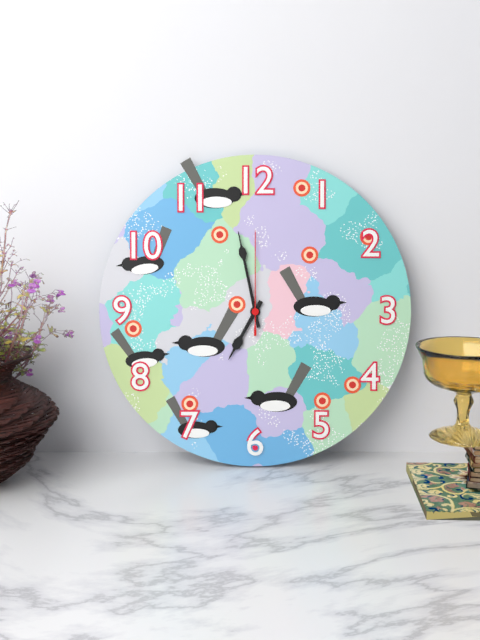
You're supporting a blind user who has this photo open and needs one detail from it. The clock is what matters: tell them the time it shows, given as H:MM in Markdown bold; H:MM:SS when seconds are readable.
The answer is **6:58:00**
